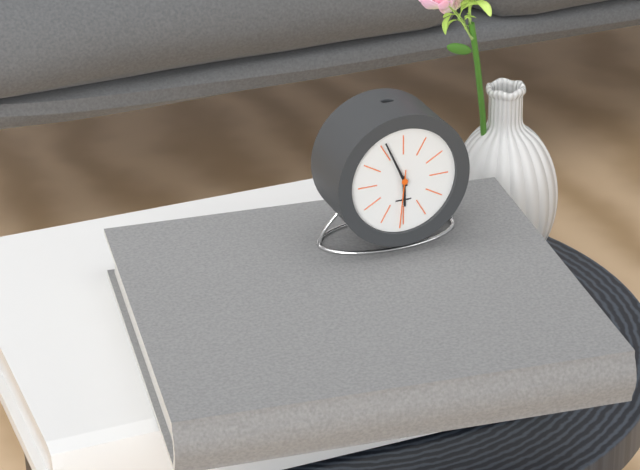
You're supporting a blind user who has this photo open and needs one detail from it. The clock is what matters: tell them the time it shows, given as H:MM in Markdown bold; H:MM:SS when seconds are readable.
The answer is **5:56:31**
